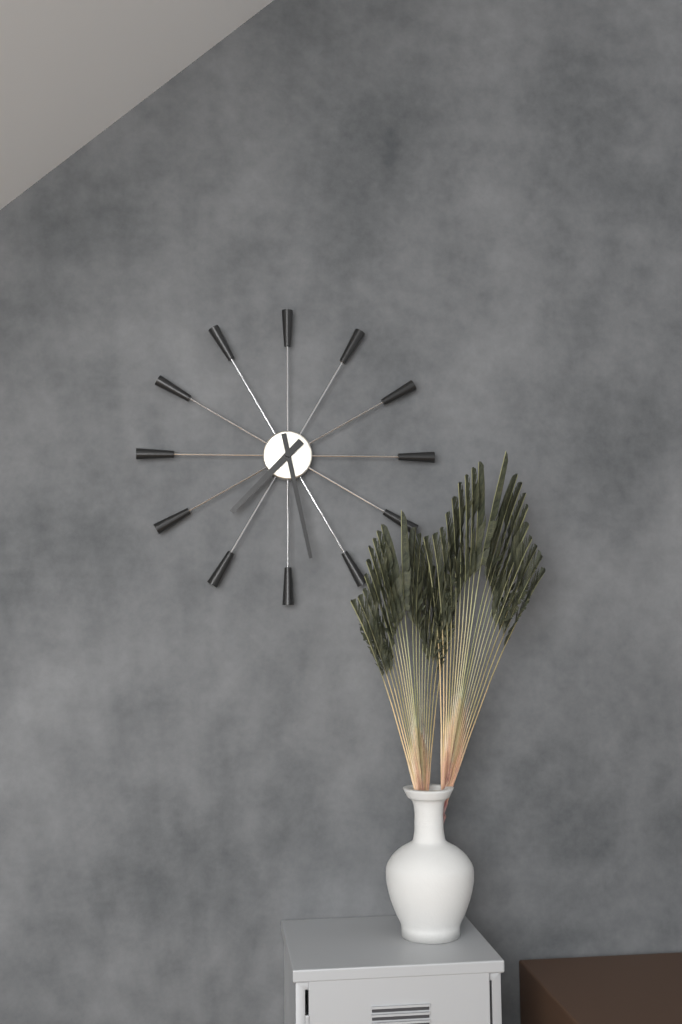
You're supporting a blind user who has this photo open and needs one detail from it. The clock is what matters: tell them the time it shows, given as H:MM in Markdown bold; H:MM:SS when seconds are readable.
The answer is **7:28**
